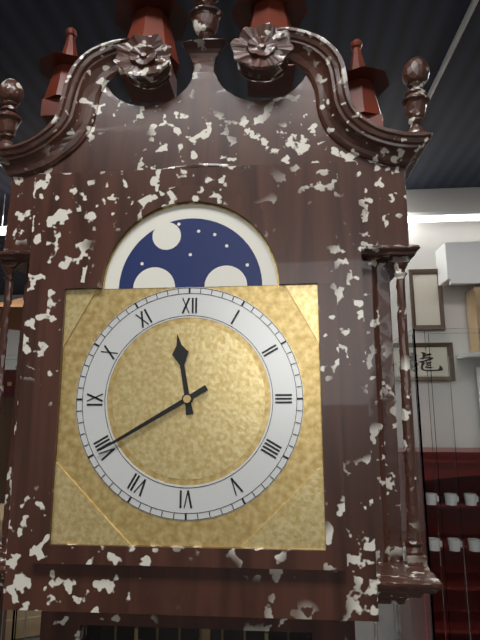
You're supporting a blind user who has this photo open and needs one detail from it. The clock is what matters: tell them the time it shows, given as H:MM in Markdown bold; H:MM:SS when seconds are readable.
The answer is **11:40**
